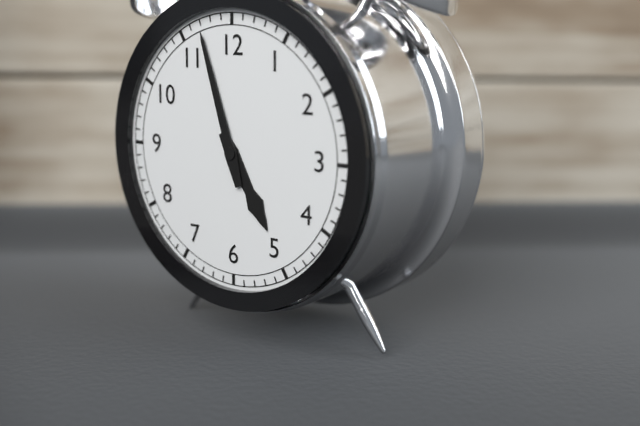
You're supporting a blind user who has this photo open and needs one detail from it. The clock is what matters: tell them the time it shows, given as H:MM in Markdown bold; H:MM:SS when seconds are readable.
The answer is **4:57**
